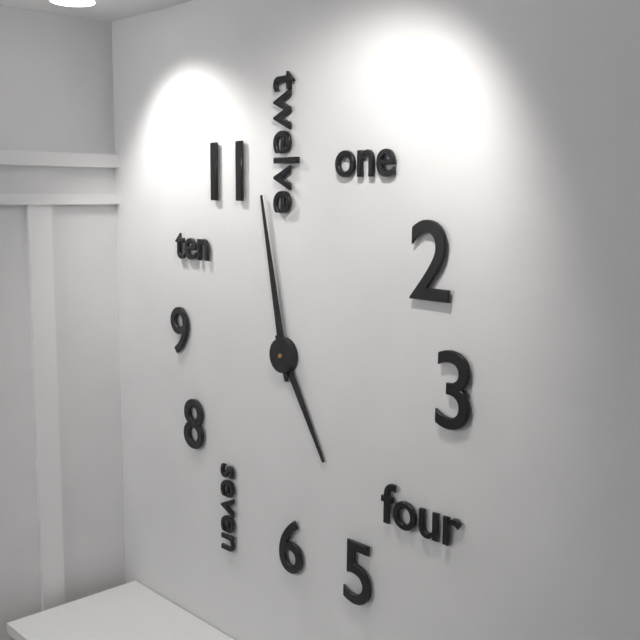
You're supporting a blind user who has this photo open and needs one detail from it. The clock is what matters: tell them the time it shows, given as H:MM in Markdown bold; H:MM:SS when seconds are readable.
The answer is **4:58**
